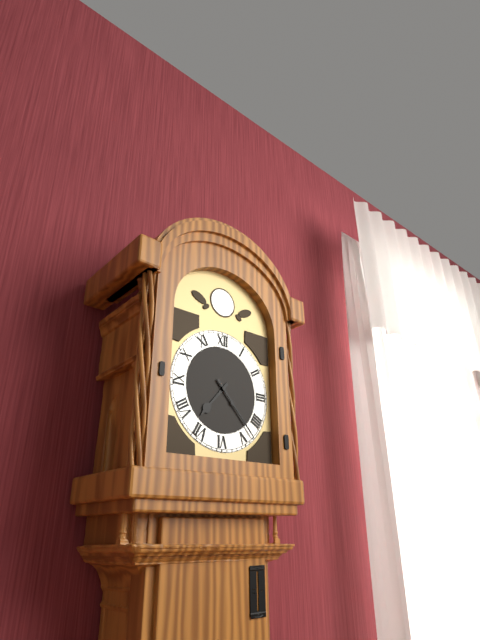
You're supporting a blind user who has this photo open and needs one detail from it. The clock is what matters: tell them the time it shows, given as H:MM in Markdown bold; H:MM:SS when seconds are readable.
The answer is **7:23**
